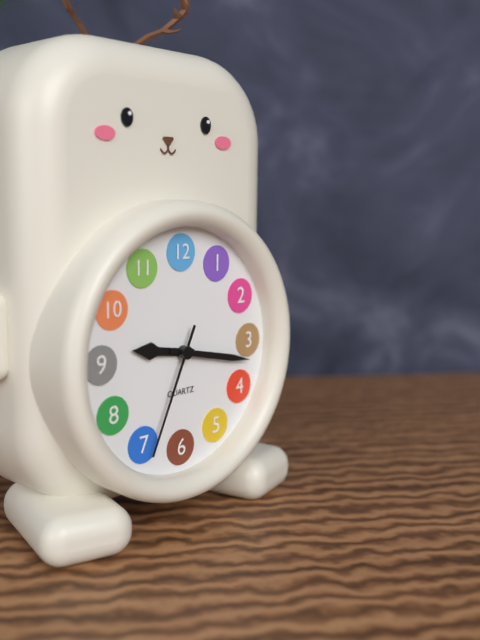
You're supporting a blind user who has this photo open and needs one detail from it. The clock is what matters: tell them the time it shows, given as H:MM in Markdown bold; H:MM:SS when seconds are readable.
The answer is **9:17:34**
